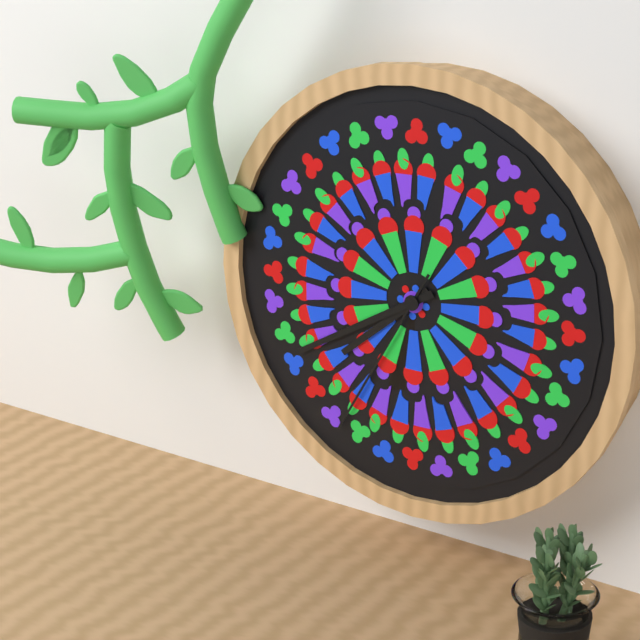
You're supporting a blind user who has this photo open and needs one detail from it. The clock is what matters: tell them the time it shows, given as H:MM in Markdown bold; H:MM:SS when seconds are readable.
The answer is **7:40:35**
